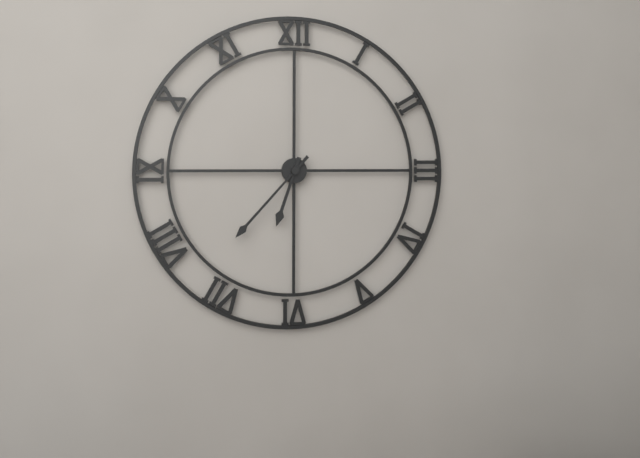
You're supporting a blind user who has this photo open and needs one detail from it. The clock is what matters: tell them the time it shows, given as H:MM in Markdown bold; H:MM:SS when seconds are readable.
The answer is **6:37**
